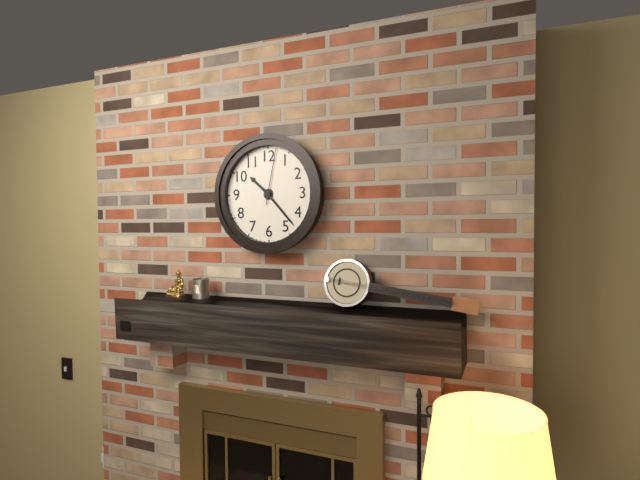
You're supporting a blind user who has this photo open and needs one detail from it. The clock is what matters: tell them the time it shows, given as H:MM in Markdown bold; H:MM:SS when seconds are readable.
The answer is **10:23:02**
